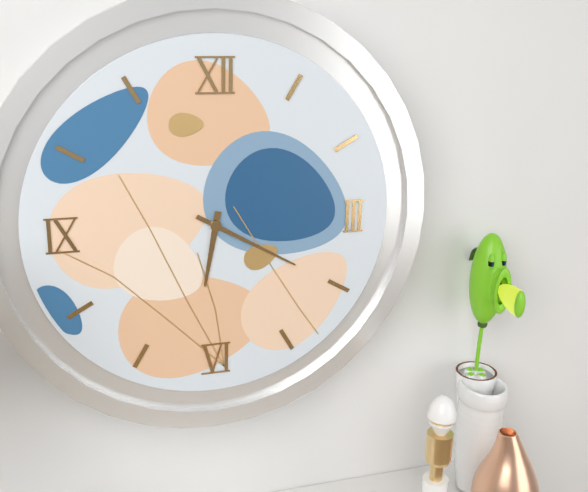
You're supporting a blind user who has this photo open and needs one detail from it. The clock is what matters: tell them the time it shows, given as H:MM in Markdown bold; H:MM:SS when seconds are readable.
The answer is **6:20**
